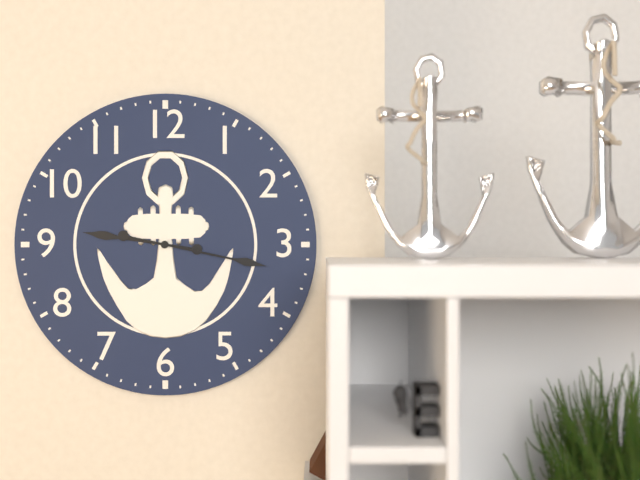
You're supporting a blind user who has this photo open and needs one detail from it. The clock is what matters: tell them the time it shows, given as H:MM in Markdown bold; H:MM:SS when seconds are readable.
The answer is **9:17**
